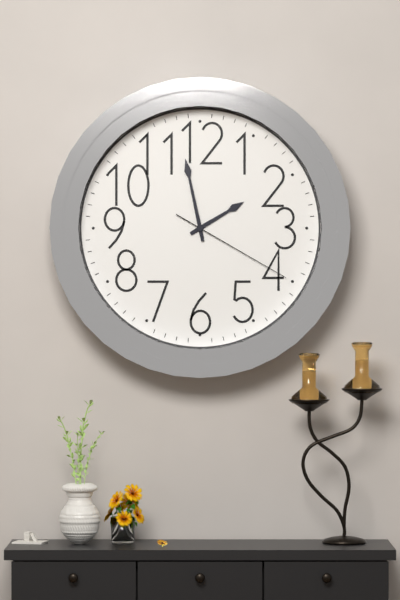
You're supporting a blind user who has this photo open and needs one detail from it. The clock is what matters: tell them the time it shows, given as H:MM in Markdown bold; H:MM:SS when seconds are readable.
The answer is **1:58:20**
